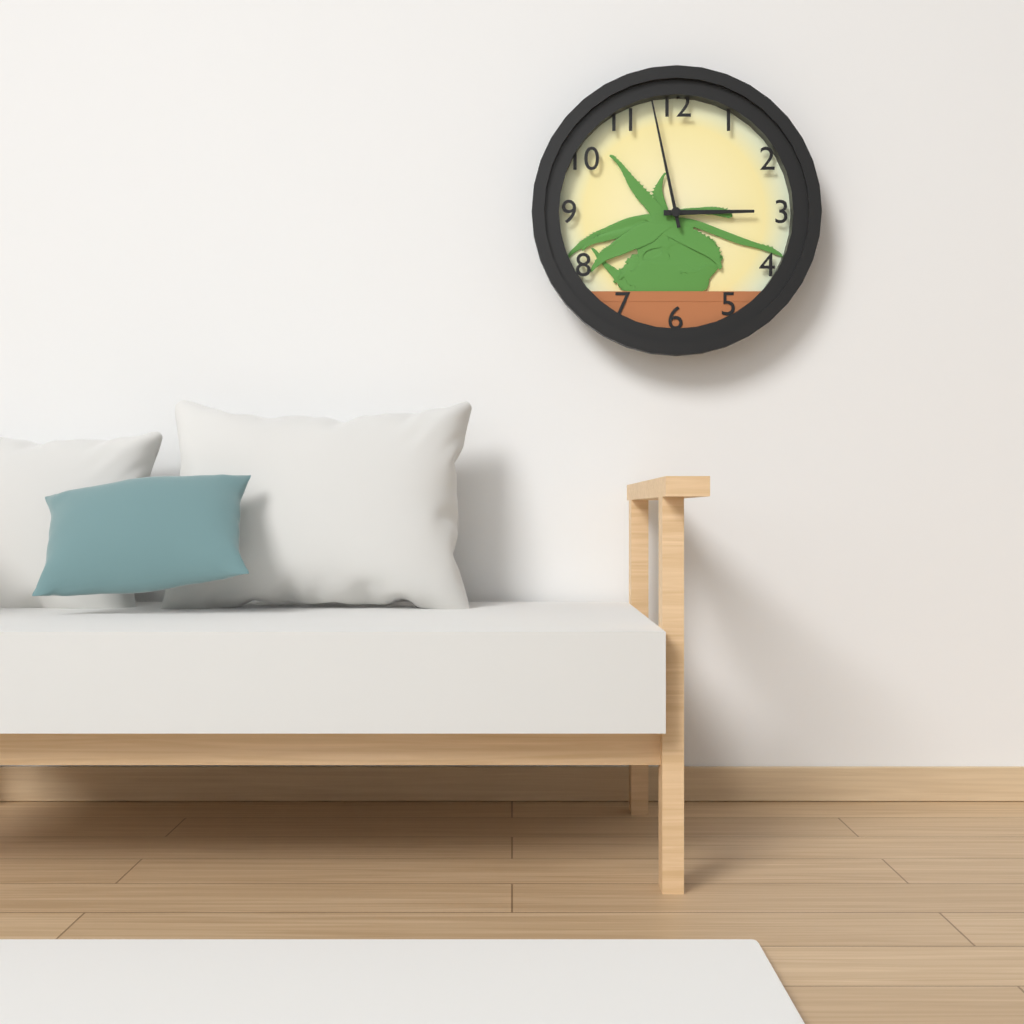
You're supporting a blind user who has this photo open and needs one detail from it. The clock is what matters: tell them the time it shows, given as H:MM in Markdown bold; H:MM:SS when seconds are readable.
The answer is **2:58**
